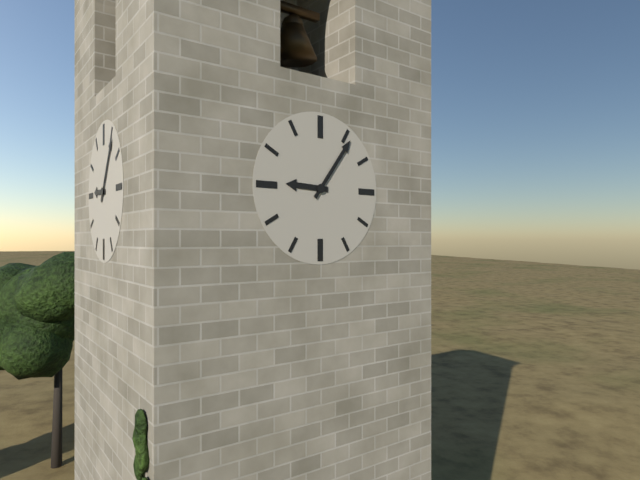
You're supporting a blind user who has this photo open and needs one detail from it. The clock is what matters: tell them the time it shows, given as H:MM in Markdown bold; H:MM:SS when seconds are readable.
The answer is **9:06**
